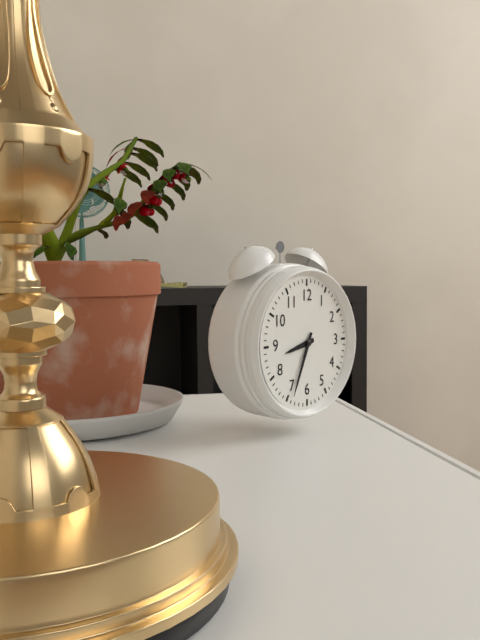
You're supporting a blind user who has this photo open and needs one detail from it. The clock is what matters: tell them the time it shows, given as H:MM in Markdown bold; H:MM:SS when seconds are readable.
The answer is **8:34**
